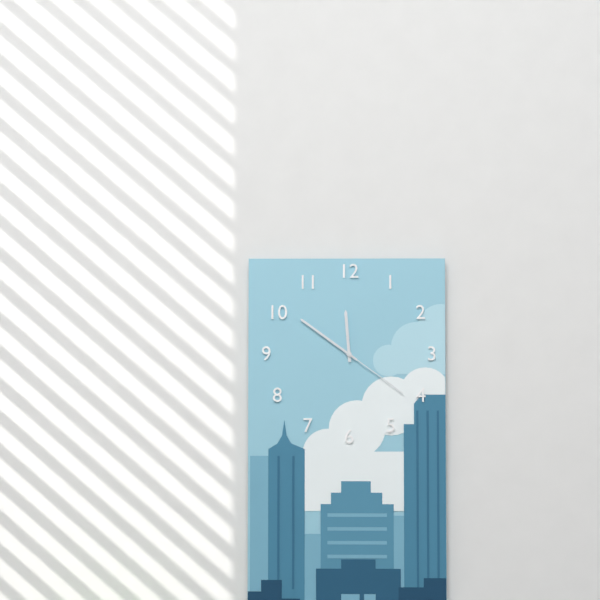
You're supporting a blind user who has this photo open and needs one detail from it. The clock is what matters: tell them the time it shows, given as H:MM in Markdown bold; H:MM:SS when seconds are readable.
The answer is **11:51:21**
